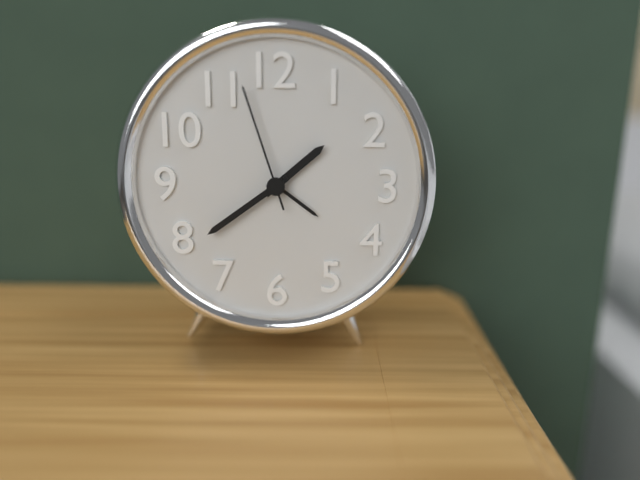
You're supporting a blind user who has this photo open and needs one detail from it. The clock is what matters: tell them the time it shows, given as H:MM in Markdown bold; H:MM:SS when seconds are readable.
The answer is **1:39:57**
